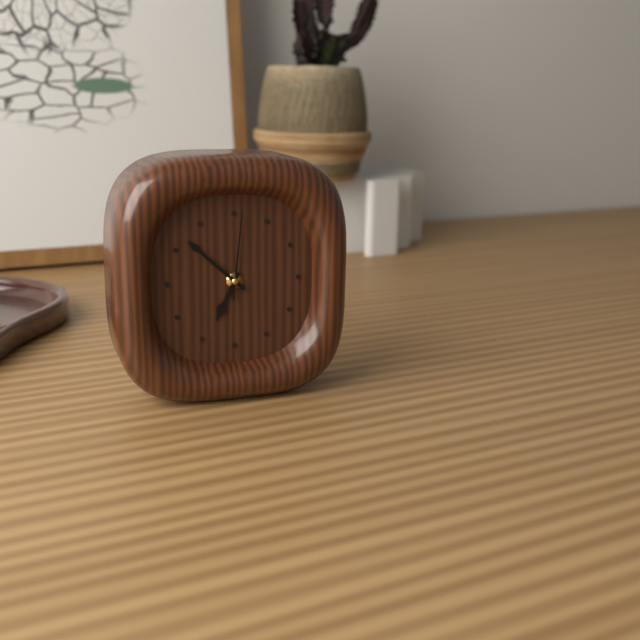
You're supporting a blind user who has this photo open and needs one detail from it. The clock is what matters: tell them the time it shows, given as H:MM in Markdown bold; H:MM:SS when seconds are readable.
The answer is **6:52:01**
